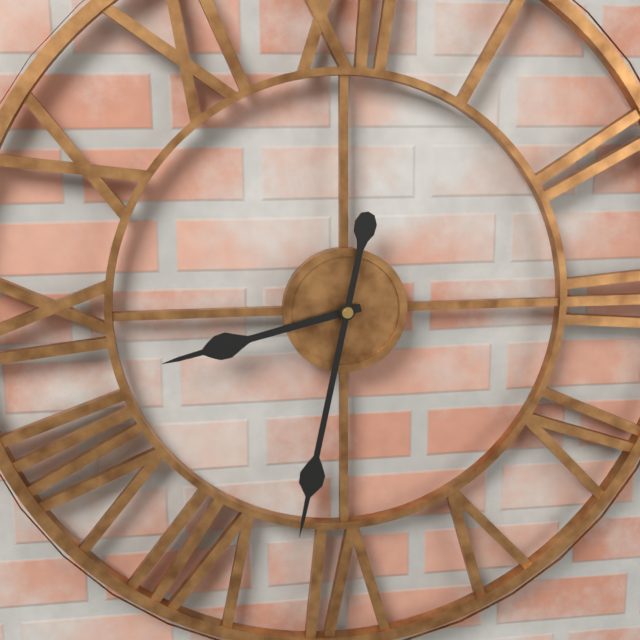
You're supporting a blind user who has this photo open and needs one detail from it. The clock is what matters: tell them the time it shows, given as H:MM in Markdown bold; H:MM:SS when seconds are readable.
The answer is **8:32**
